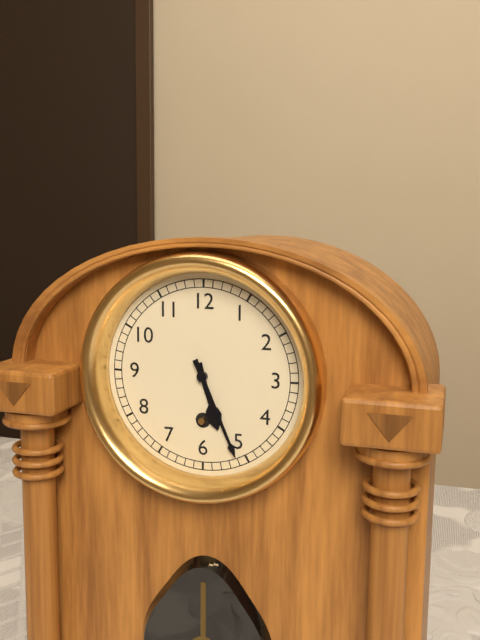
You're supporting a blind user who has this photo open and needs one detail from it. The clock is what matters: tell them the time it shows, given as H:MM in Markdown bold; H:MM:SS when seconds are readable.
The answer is **5:26**
